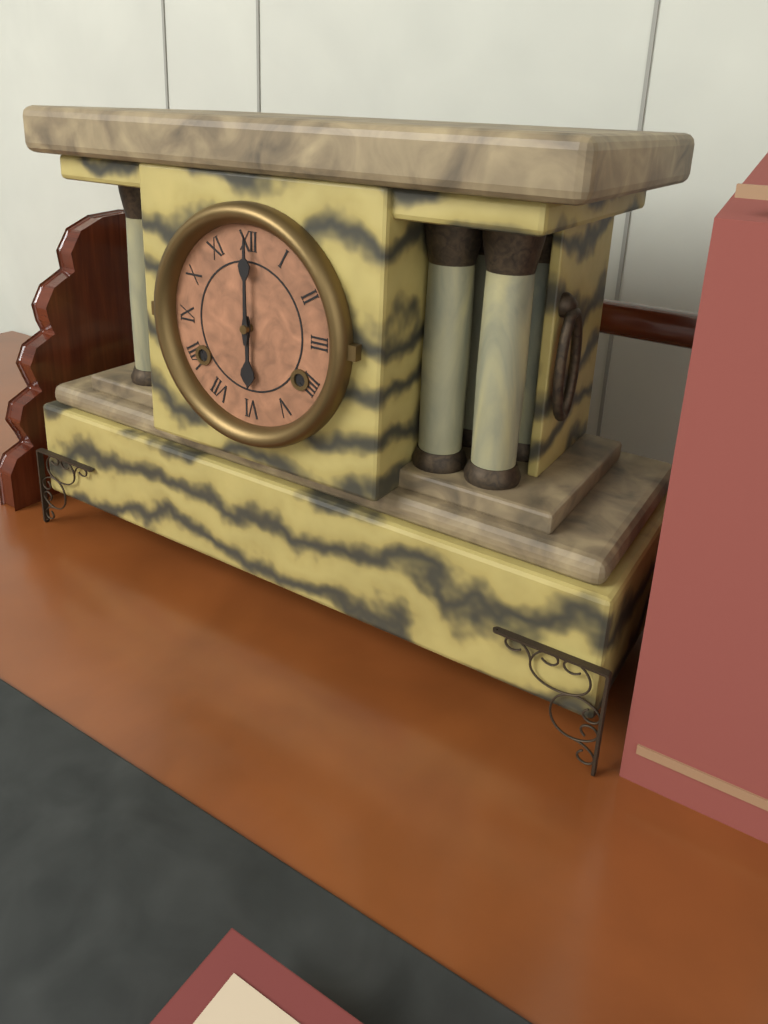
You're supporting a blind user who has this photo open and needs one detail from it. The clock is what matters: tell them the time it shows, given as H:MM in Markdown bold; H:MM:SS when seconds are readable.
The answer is **6:00**
